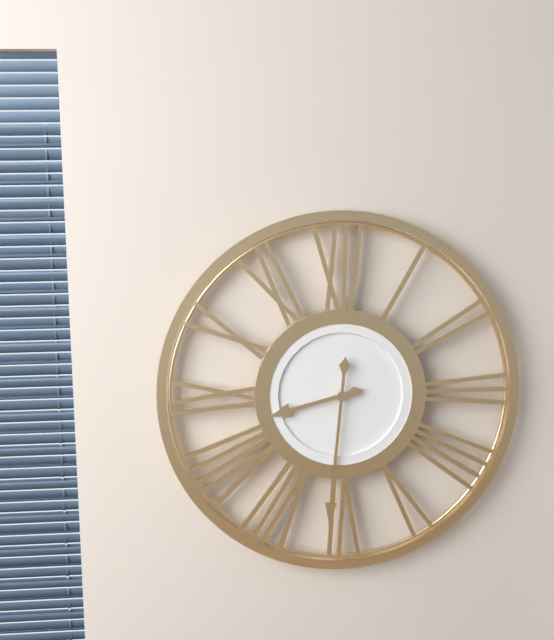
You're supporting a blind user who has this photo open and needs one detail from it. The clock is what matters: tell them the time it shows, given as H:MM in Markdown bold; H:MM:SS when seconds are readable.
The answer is **8:31**
